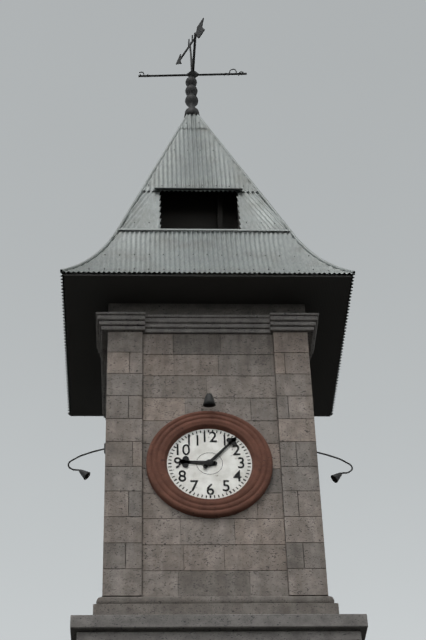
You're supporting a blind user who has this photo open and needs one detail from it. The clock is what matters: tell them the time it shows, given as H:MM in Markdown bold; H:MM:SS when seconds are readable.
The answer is **9:07**
